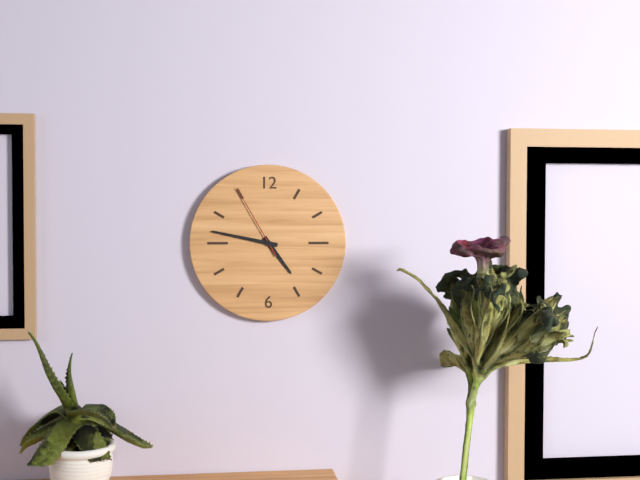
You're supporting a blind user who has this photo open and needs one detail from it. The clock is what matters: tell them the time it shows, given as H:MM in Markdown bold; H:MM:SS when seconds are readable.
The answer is **4:47:55**
